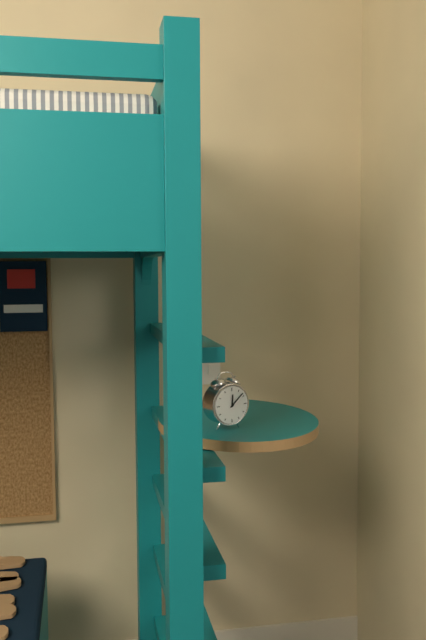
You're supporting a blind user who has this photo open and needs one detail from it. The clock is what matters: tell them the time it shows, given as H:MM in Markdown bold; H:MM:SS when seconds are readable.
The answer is **12:08**
